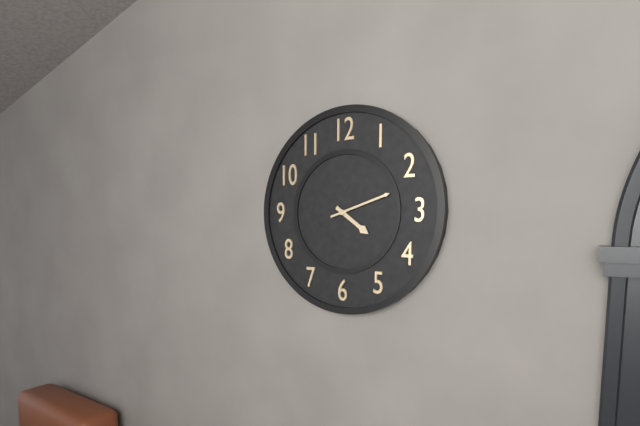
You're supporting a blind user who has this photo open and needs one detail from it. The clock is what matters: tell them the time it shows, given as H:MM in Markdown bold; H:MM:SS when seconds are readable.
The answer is **4:12**
